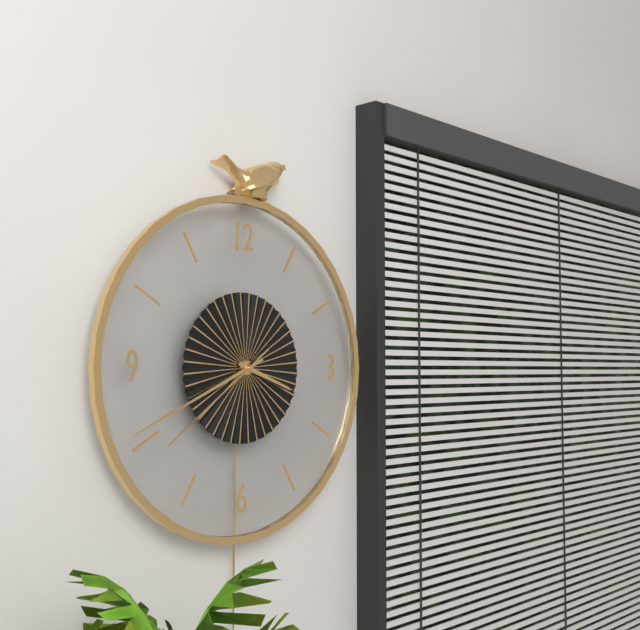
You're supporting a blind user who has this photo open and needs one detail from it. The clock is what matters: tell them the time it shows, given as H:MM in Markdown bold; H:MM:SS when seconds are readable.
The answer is **3:41:39**
